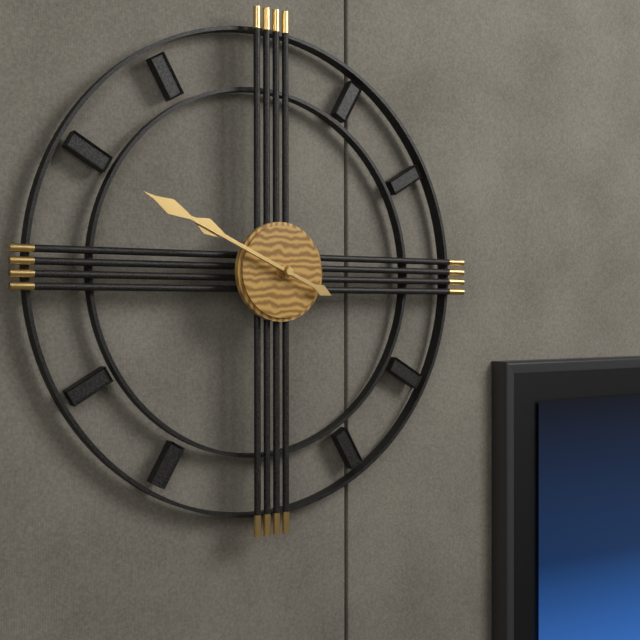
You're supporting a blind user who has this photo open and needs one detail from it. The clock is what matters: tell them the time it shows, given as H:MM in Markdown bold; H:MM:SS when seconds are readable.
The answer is **9:49**
